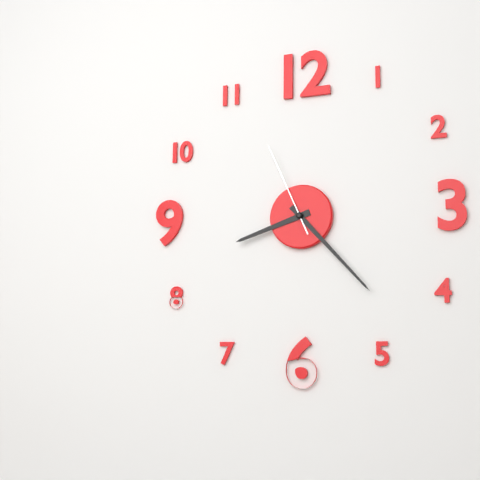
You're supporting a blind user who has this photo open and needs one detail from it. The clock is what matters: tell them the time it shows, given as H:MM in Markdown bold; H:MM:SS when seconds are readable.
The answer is **8:23:56**
